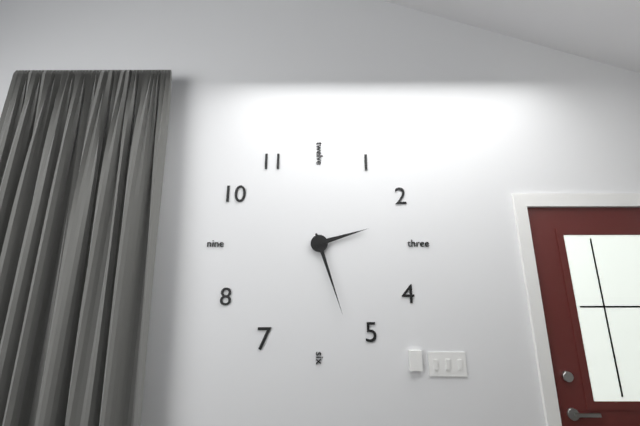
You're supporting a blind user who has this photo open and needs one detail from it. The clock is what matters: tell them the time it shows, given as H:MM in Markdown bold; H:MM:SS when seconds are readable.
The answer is **2:27**
